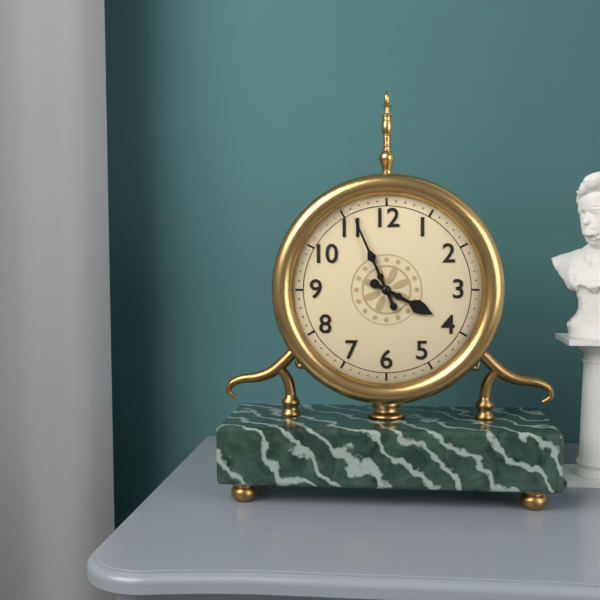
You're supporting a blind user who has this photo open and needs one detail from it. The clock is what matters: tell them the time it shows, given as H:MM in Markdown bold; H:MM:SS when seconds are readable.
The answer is **3:56**
